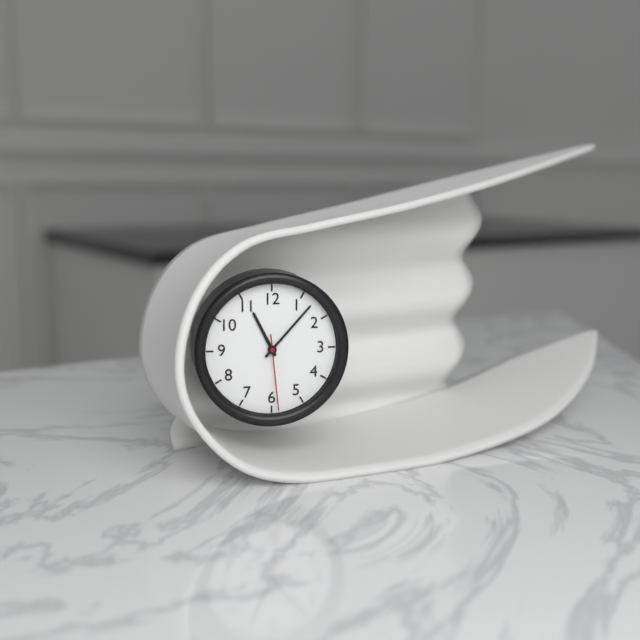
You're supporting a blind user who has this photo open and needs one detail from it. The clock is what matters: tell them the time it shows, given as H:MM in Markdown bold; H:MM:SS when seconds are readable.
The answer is **11:07:29**
